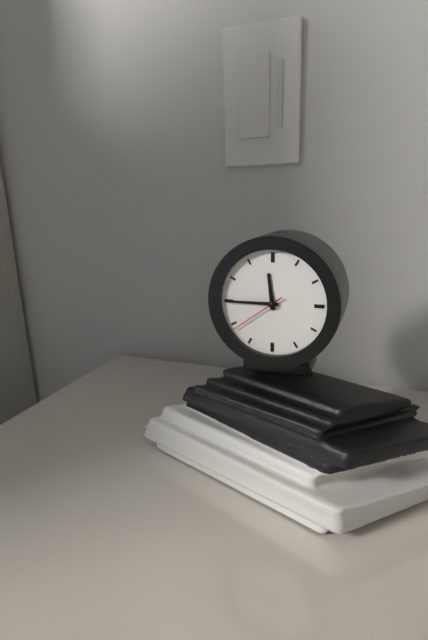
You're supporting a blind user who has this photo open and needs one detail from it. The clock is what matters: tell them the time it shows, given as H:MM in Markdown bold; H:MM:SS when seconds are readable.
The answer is **11:45:39**
